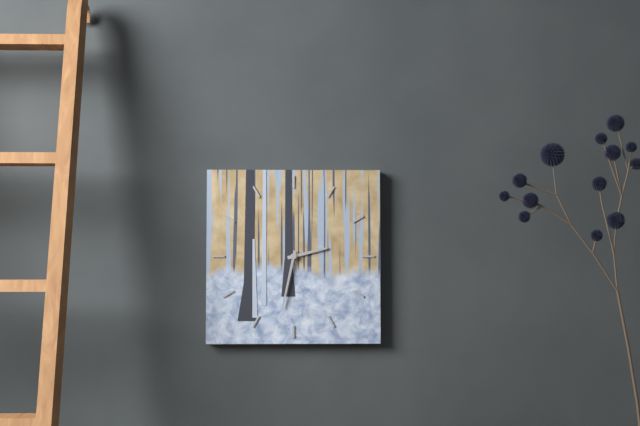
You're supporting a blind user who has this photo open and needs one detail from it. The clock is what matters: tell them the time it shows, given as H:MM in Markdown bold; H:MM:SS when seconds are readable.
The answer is **2:32**
